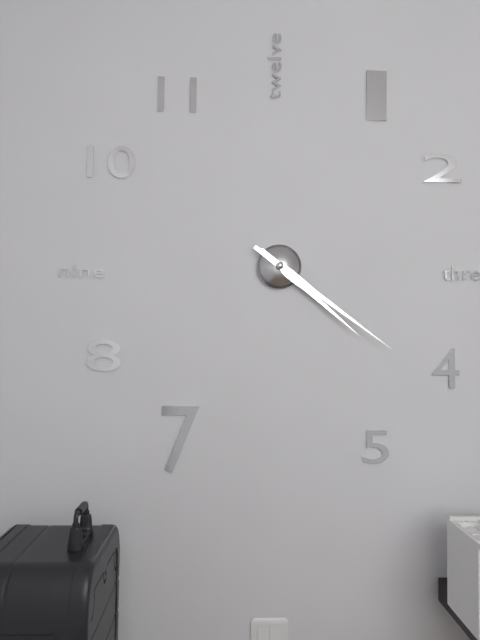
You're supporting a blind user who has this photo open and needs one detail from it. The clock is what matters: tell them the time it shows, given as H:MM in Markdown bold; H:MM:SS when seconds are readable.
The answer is **4:21**
